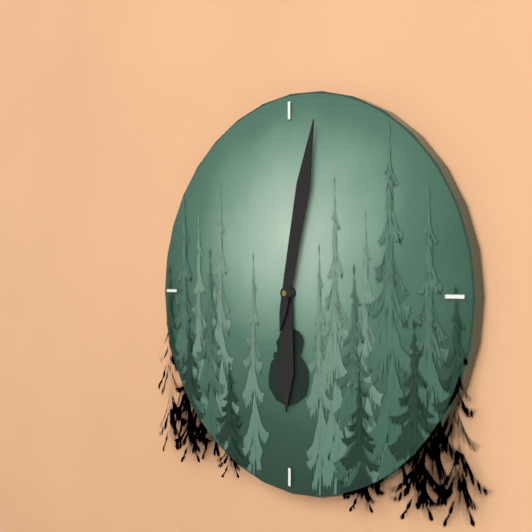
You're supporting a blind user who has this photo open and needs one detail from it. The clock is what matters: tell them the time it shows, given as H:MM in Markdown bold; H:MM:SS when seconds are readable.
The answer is **6:02**
